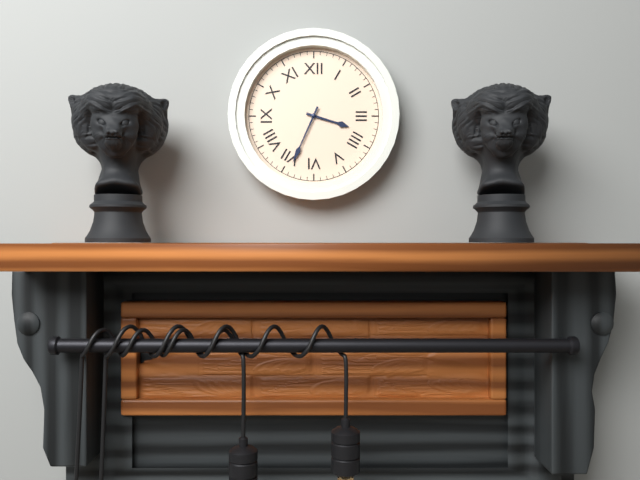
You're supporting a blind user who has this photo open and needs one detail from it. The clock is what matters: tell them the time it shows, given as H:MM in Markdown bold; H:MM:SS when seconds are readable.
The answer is **3:34**
